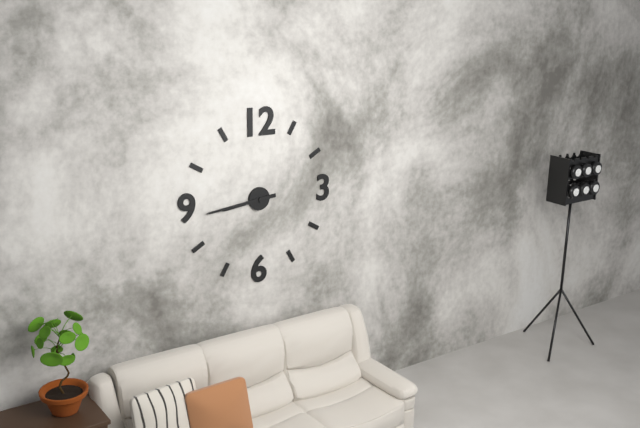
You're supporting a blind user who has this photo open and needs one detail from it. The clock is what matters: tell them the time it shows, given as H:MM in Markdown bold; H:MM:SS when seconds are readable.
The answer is **8:44**
